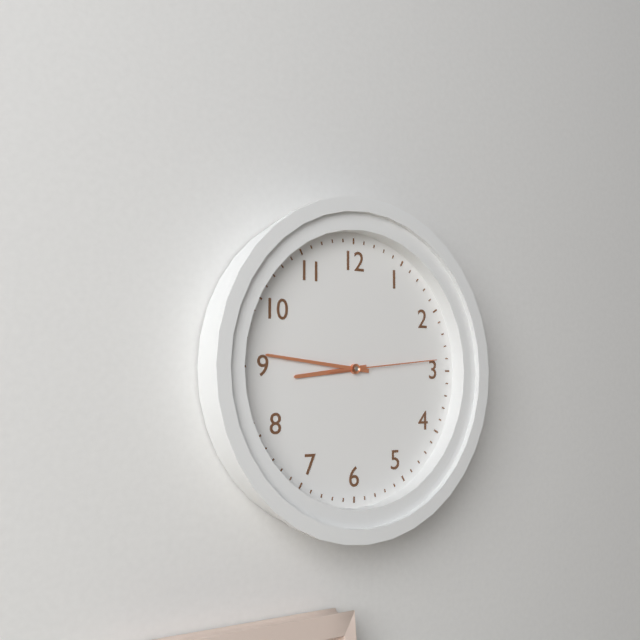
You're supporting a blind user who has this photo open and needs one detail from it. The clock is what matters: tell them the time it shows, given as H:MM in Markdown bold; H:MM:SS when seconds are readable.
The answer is **8:46:14**
